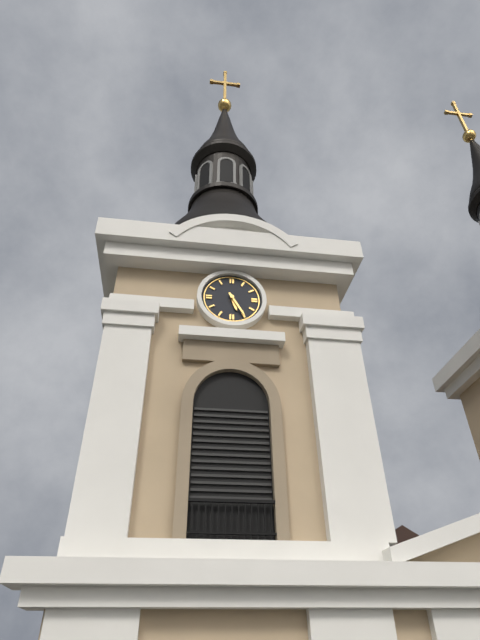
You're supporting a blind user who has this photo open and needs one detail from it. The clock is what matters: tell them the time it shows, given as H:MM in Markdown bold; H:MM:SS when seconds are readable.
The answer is **5:25**
